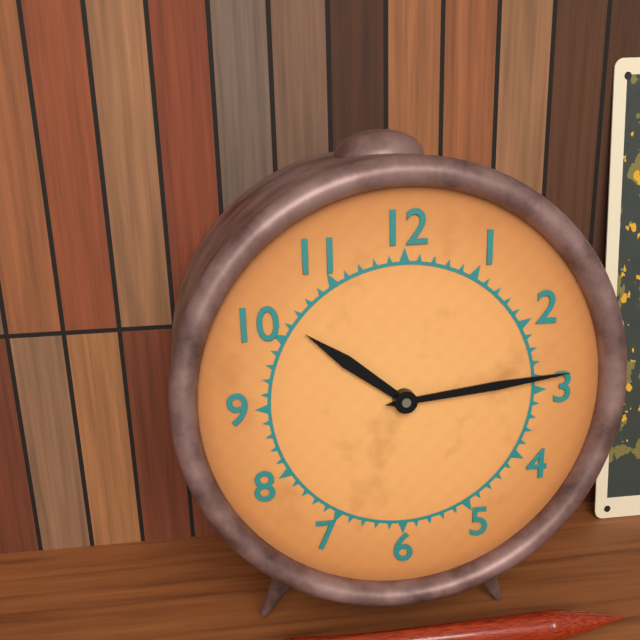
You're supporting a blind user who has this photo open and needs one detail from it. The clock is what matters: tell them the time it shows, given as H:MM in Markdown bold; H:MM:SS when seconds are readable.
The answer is **10:14**
